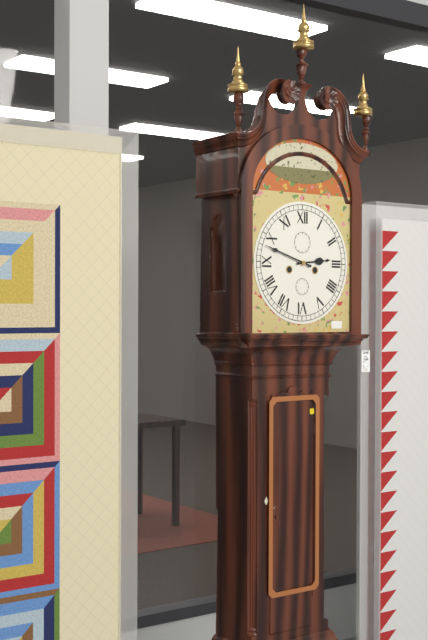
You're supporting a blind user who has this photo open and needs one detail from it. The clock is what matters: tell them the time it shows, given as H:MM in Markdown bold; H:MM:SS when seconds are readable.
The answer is **2:48**
